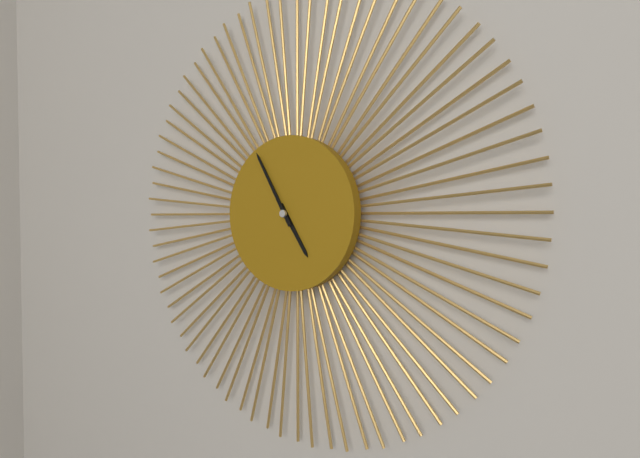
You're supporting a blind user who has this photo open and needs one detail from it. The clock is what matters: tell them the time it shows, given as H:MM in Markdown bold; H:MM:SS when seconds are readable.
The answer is **4:55**
